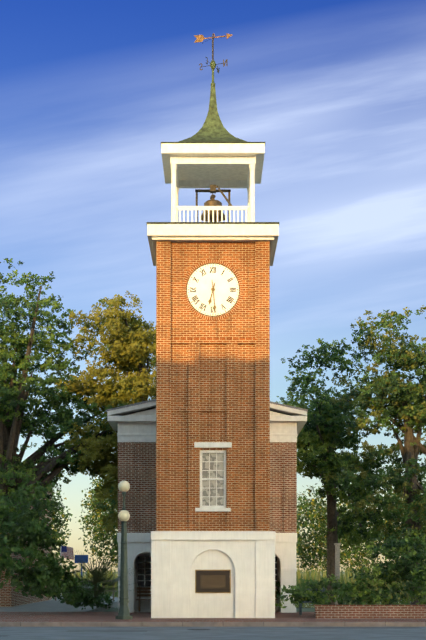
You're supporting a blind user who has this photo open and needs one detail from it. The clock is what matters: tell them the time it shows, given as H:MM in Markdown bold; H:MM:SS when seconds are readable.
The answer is **6:29**
